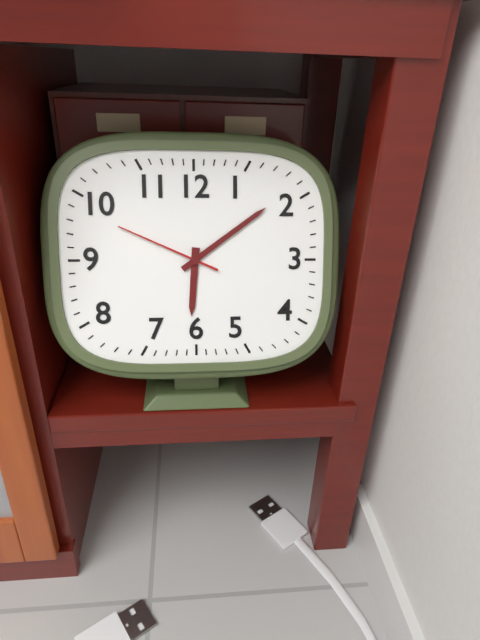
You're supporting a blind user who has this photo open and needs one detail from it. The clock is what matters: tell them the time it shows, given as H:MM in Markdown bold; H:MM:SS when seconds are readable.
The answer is **6:09:49**
